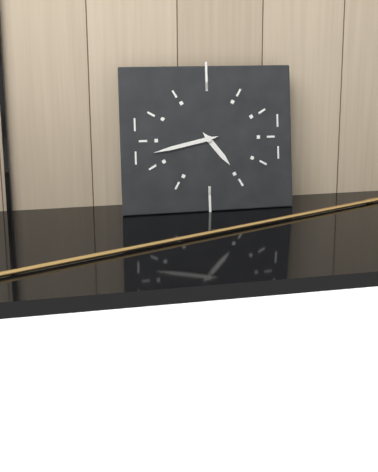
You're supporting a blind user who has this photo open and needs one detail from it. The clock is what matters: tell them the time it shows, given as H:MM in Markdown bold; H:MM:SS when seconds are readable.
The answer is **4:43**
